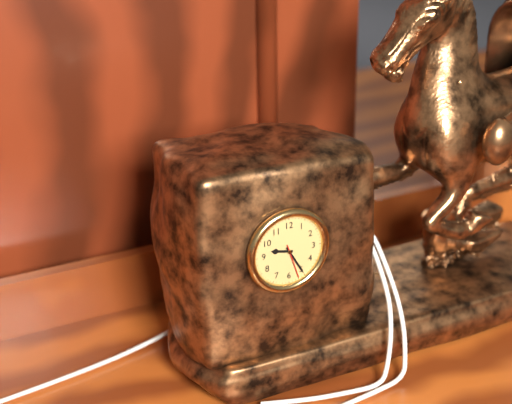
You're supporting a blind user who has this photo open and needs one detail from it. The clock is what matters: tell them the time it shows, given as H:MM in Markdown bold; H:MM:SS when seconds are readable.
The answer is **9:25**
